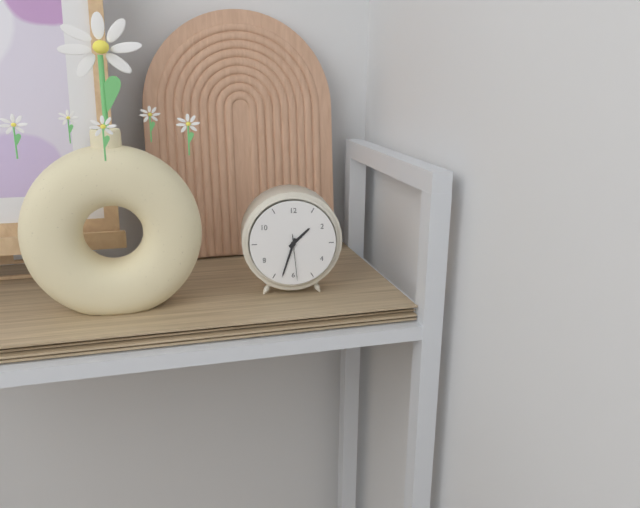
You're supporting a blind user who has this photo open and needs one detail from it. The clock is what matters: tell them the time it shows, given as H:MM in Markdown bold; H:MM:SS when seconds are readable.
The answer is **1:33**
